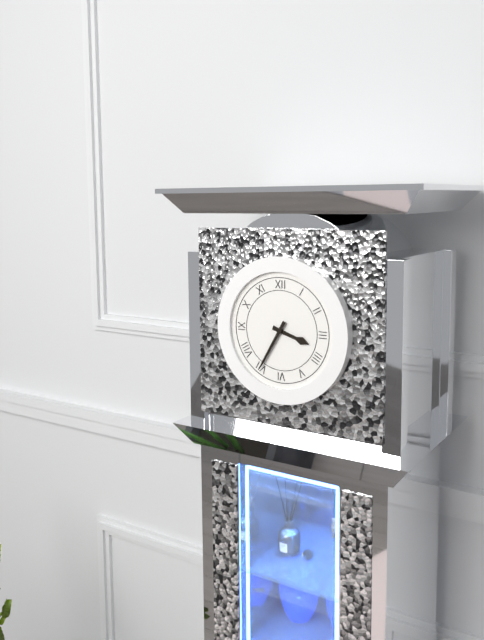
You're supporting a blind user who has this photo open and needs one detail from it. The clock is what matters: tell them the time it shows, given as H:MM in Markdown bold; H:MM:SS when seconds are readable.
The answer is **3:35**
